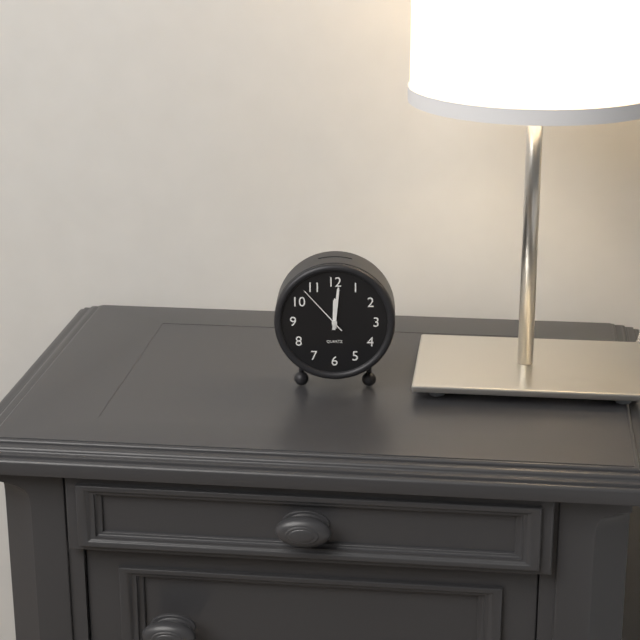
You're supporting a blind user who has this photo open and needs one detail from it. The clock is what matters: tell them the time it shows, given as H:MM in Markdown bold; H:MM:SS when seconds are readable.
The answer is **12:01:53**
